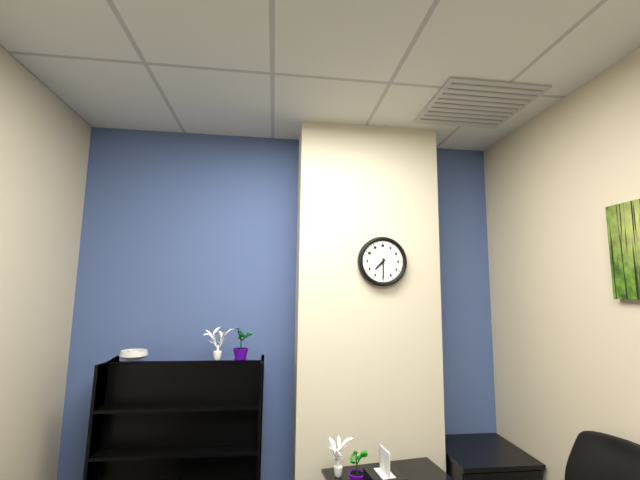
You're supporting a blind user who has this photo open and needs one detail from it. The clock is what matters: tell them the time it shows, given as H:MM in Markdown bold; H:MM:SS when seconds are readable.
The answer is **7:30**
